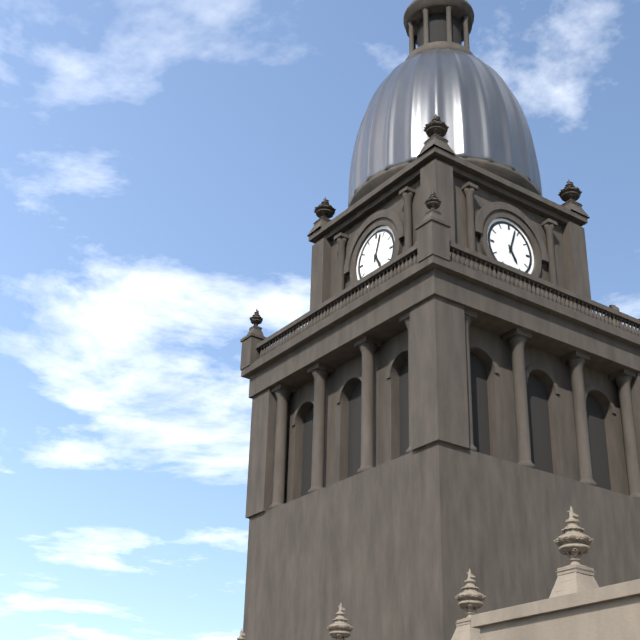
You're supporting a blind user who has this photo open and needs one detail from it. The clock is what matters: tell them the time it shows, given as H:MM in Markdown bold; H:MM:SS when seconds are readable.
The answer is **5:03**
